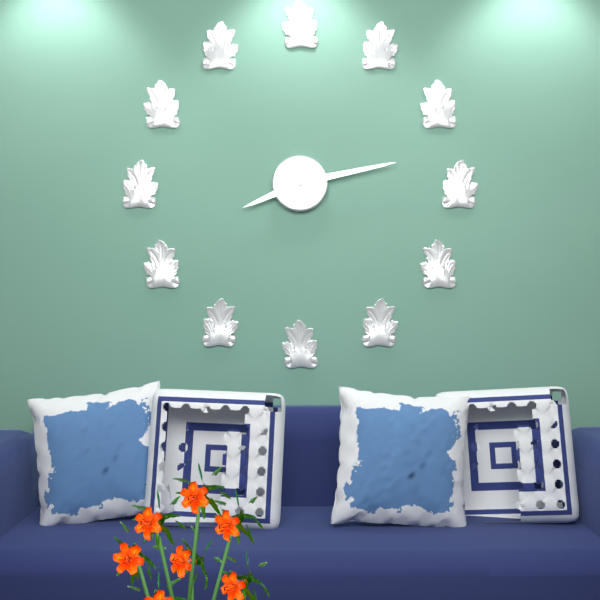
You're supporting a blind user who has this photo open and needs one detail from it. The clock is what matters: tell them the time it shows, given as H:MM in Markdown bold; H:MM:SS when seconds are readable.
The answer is **8:13**
